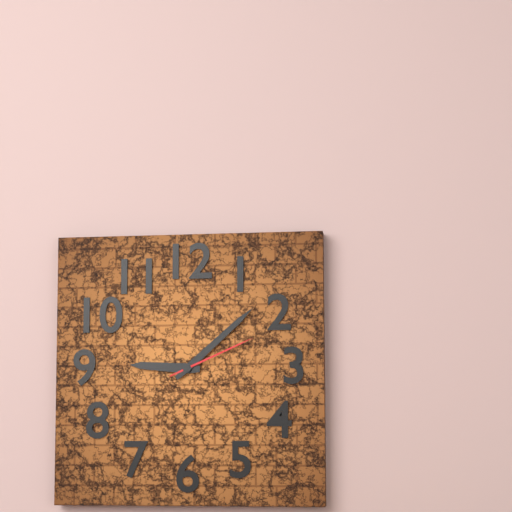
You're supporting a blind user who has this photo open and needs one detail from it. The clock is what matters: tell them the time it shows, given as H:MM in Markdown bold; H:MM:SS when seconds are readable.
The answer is **9:08:11**
